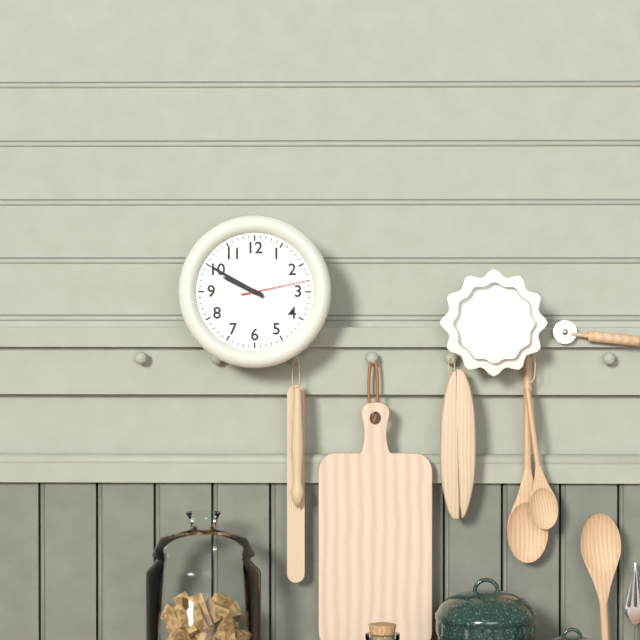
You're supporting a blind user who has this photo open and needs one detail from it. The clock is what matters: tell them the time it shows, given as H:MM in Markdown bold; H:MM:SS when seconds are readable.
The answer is **9:50:13**
